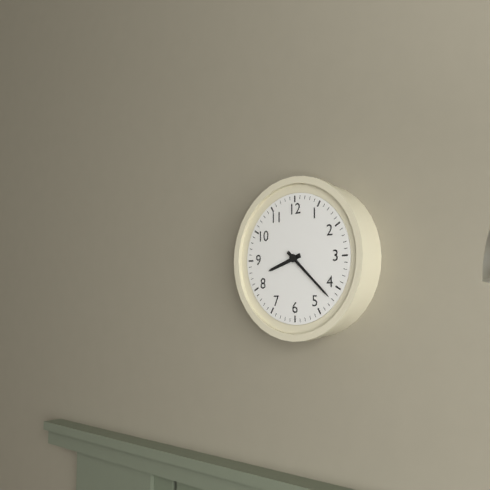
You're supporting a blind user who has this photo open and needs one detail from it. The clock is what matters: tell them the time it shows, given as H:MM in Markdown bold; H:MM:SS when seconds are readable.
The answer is **8:22**
